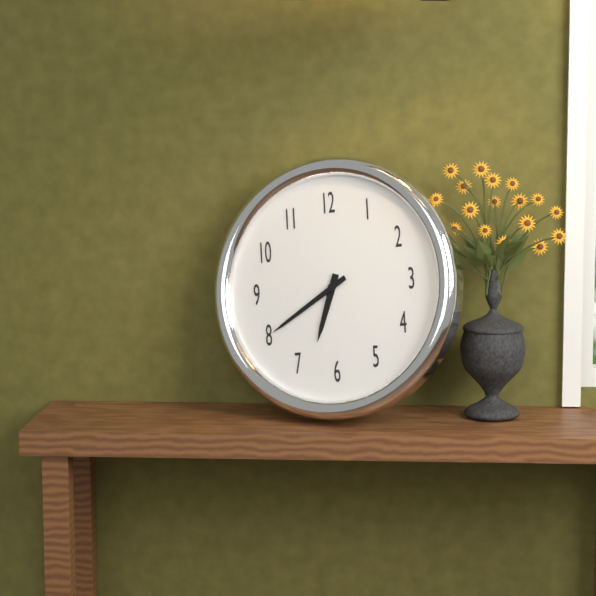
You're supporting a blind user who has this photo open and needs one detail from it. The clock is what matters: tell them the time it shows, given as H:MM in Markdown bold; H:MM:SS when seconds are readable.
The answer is **6:40**
